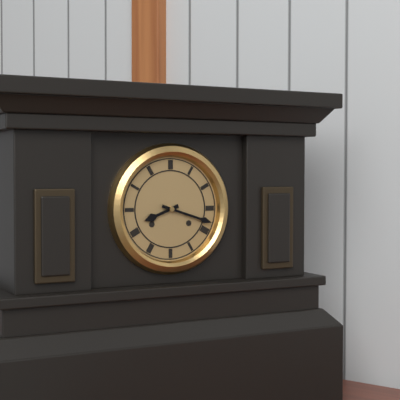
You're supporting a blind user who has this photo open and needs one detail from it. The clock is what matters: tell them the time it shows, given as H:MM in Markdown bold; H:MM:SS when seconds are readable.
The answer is **8:18**
